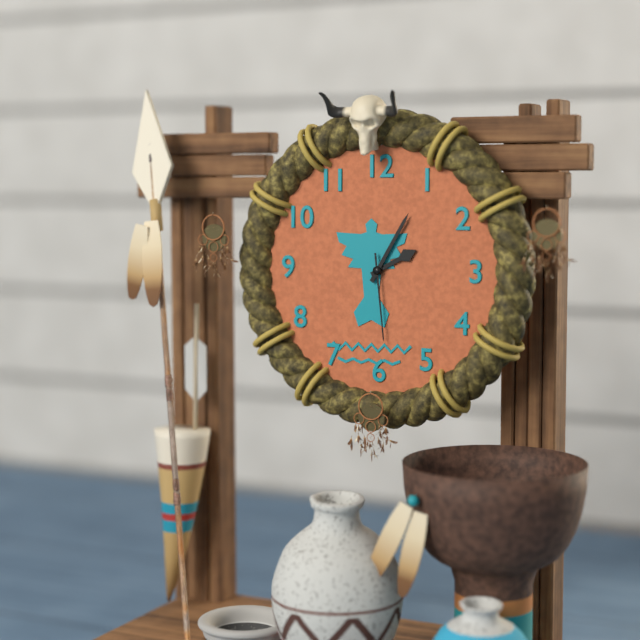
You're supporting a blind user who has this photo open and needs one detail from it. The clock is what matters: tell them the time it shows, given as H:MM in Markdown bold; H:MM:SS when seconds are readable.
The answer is **2:05:29**
